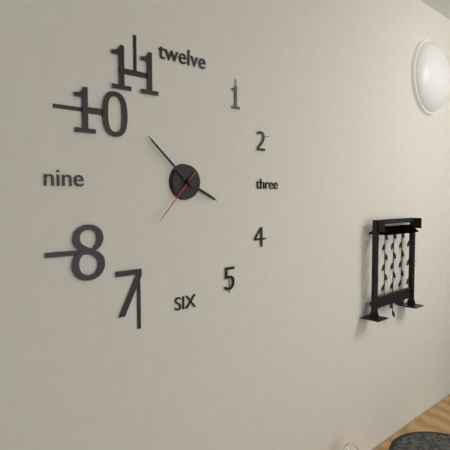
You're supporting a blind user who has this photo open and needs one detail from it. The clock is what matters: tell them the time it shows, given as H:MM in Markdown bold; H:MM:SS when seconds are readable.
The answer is **3:52:37**
